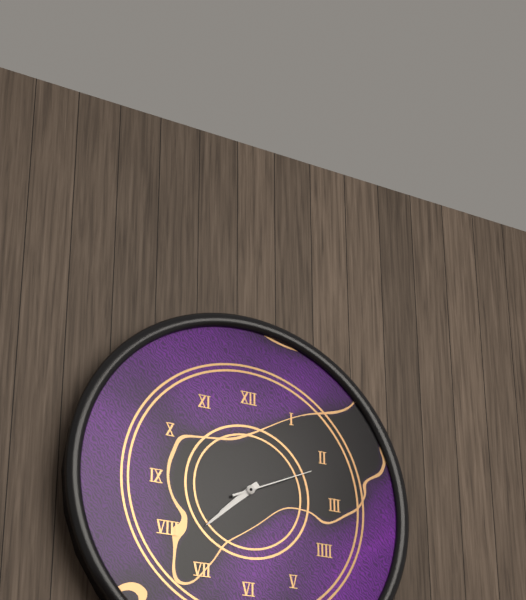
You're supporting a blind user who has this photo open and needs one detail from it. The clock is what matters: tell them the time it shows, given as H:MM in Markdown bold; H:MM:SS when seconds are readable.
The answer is **7:38:11**
